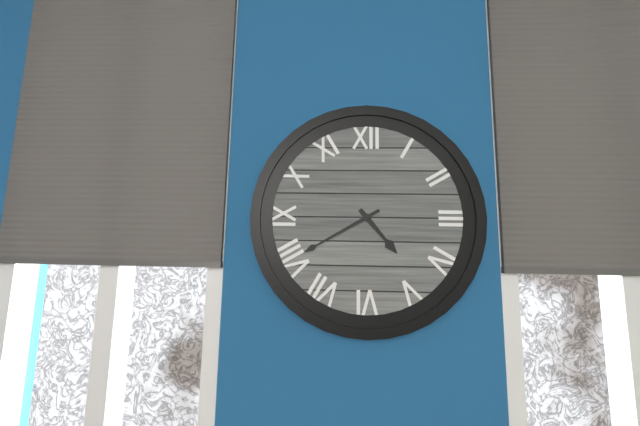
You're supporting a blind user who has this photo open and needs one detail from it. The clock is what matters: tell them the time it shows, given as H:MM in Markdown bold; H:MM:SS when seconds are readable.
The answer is **4:40**
